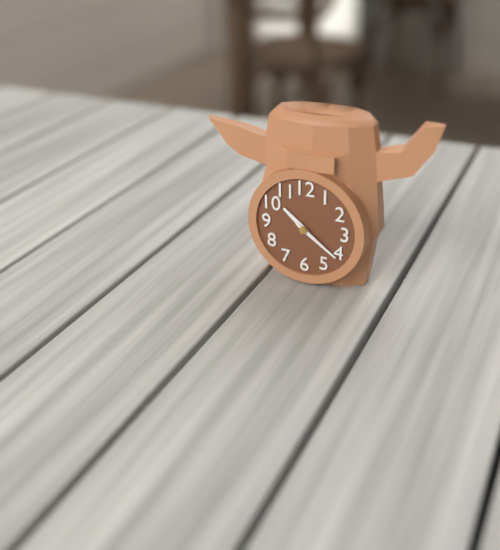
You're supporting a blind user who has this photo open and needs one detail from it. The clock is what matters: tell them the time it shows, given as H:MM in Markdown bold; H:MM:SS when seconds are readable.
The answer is **10:21**
